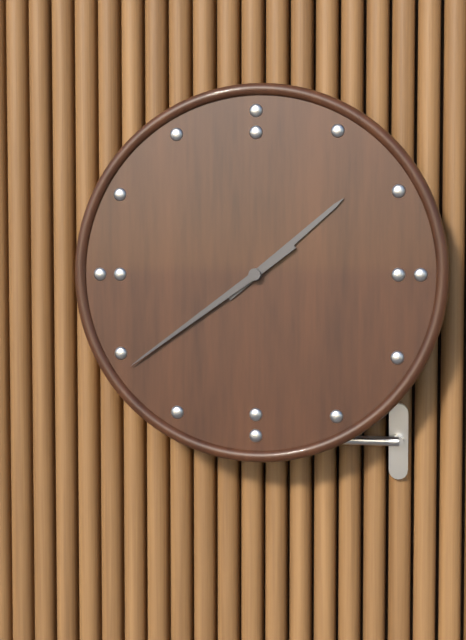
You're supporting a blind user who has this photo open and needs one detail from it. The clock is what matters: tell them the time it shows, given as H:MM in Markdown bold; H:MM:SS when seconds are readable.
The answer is **1:39**
